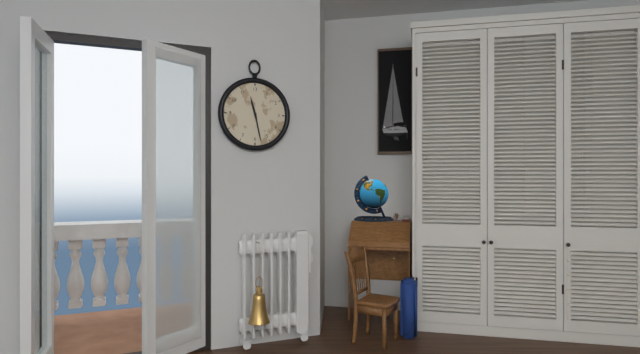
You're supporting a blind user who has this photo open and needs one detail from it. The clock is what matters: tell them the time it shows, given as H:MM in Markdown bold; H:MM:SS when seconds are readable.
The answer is **11:28**
